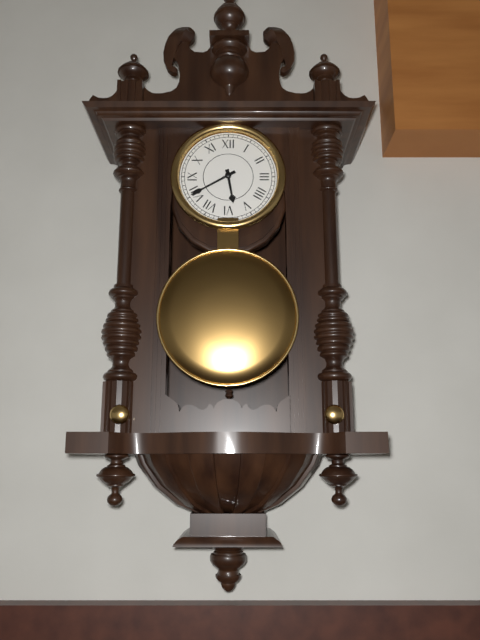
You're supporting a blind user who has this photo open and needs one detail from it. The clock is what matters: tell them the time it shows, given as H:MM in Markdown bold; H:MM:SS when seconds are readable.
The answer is **5:40**
